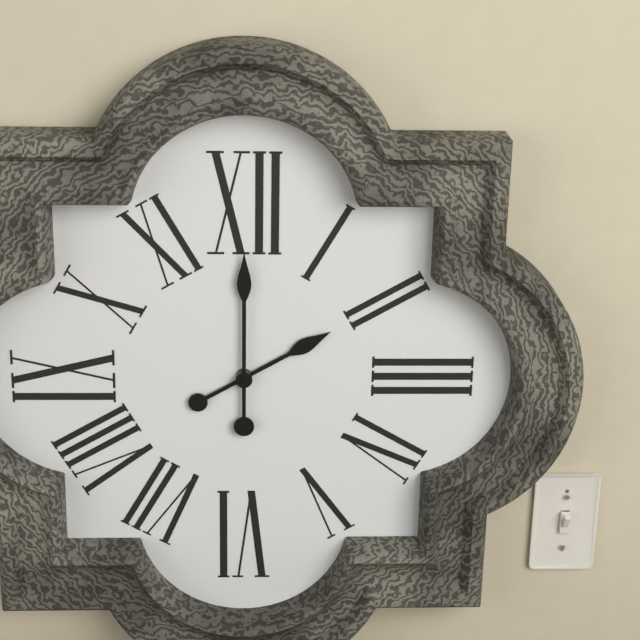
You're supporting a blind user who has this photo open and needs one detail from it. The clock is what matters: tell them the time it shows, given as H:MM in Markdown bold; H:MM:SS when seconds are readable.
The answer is **2:00**
